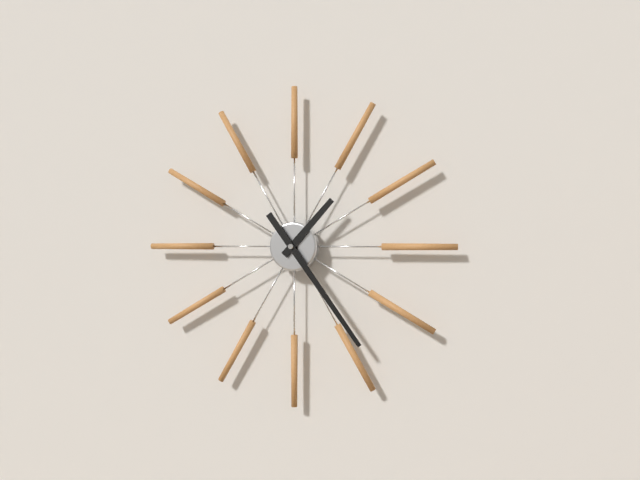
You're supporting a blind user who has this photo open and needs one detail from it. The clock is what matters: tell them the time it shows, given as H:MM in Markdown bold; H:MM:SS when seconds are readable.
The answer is **1:24**
